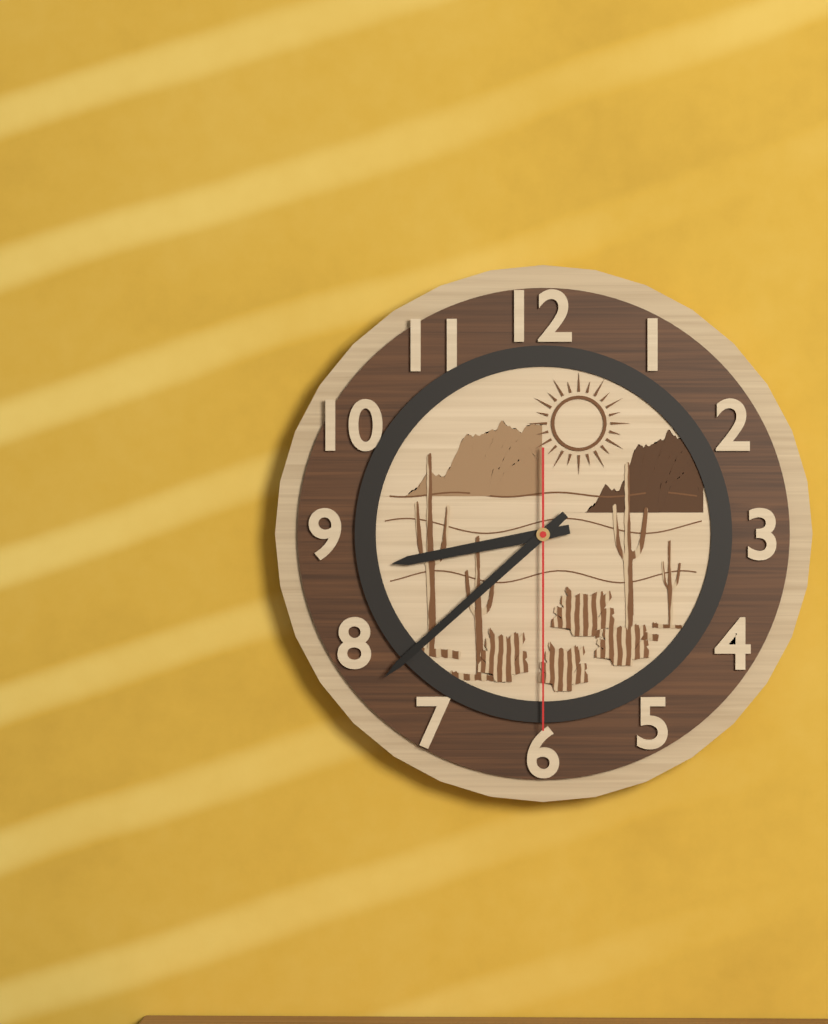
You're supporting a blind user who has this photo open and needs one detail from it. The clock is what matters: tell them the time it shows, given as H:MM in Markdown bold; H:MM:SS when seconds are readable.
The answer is **8:38:30**
